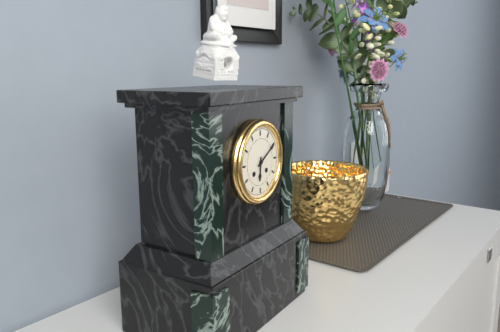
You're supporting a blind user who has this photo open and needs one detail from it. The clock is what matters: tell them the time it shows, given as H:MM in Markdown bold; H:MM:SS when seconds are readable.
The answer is **6:10**
